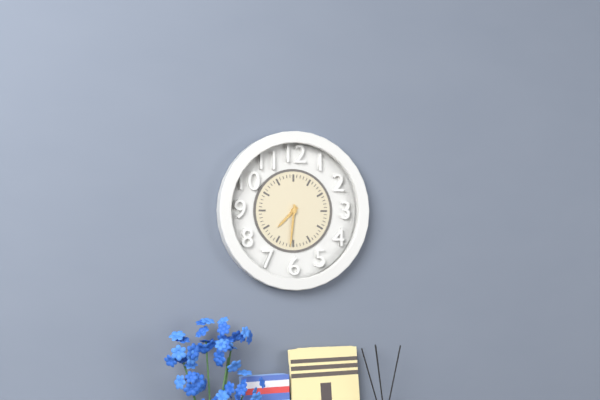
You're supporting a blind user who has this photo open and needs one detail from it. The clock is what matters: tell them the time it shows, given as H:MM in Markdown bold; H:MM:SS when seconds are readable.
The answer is **7:31**
